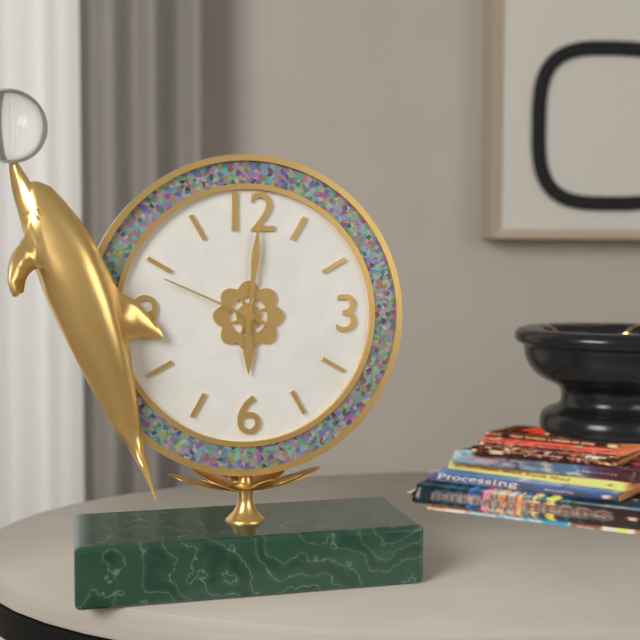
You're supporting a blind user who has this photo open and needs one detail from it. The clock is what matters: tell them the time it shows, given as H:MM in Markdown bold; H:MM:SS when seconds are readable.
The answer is **6:01:49**
